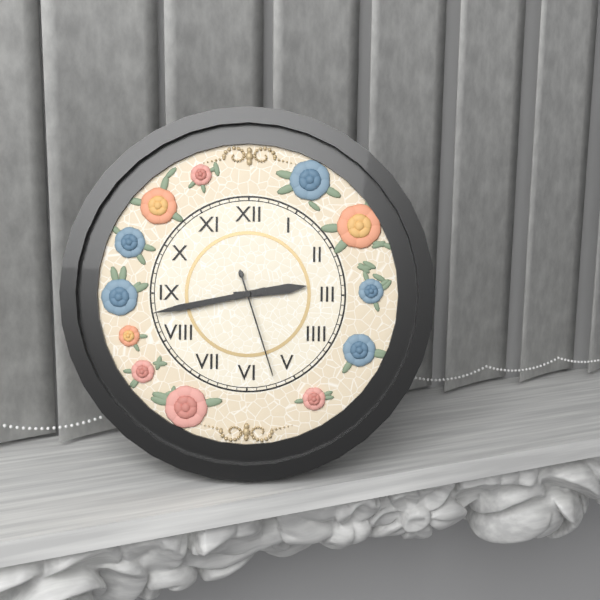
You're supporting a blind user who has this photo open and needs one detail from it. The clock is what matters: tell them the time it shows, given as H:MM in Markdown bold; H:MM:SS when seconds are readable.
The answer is **2:43:27**
